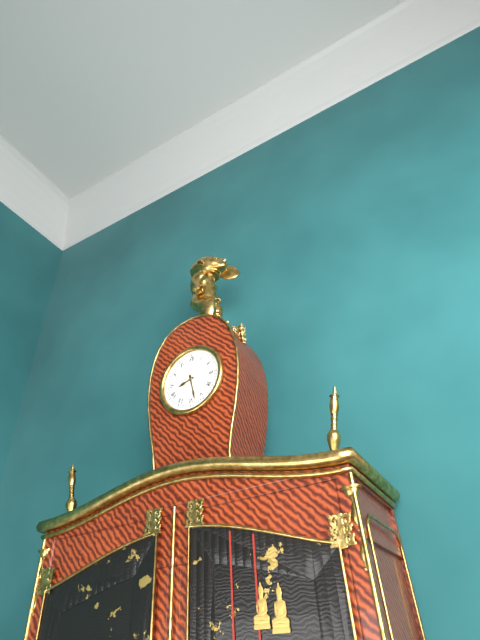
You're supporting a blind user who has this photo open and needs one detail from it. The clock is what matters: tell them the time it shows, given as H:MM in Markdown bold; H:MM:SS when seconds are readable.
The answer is **8:28**
